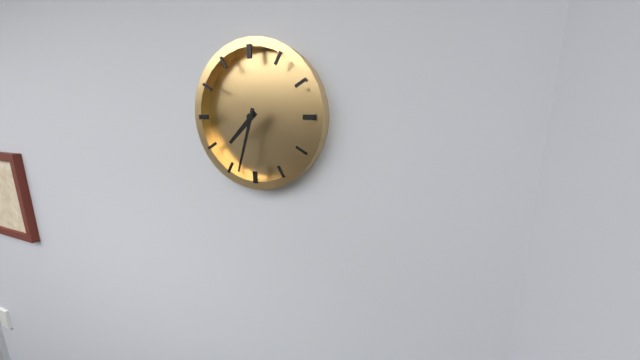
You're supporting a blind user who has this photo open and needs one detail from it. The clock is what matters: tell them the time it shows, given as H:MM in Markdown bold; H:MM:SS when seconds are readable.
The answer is **7:33**
